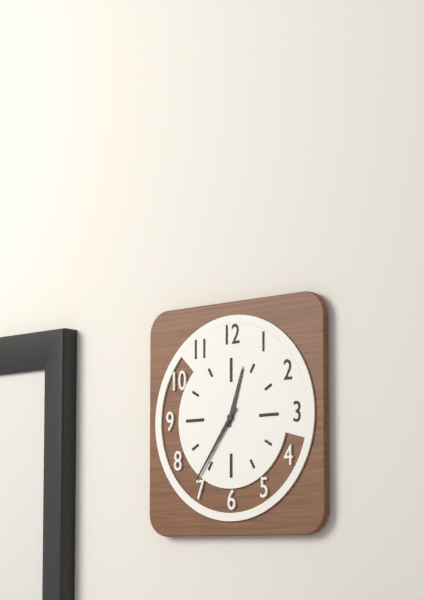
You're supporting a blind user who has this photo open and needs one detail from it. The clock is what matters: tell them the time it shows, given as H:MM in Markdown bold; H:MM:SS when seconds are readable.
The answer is **12:36**
